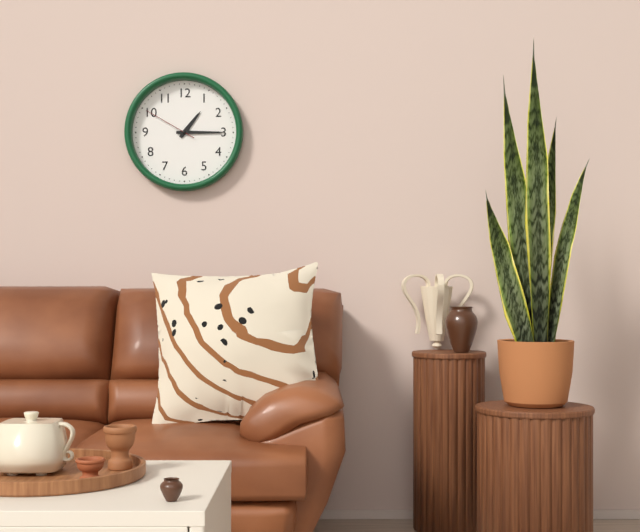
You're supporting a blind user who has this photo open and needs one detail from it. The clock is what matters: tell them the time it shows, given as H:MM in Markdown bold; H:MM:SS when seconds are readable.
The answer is **1:15:50**
